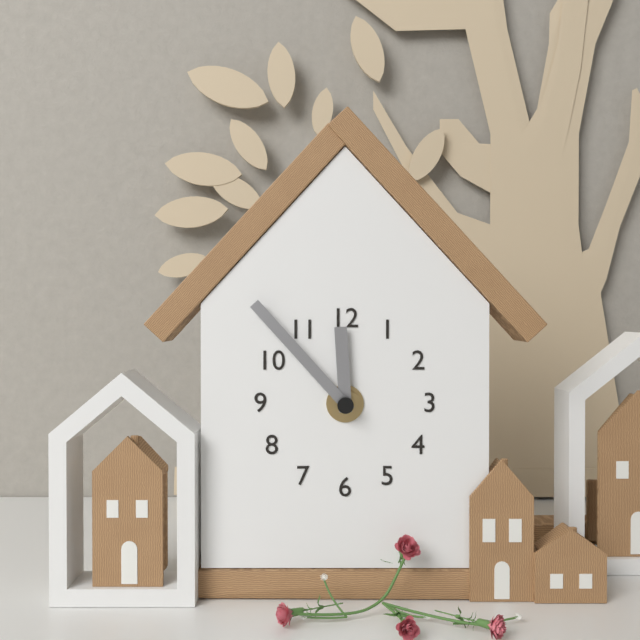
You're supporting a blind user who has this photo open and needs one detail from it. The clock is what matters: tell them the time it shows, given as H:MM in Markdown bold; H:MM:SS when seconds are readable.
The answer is **11:53**
